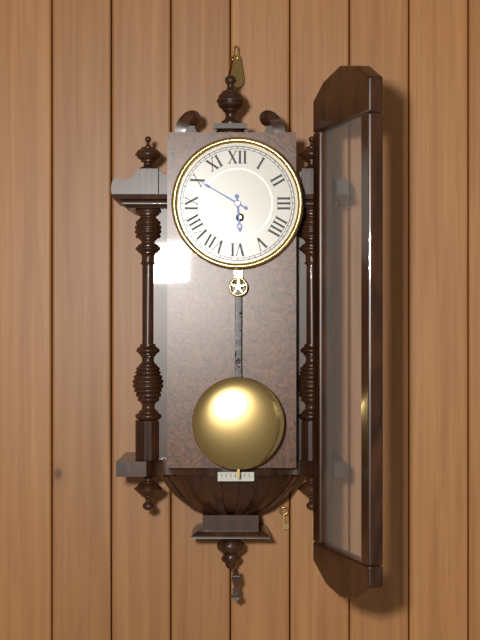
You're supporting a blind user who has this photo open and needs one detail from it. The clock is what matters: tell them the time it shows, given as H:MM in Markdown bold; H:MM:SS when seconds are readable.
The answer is **5:50**
